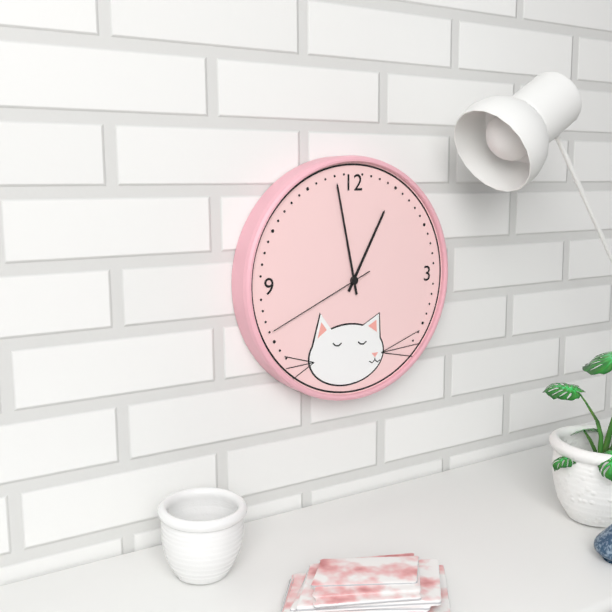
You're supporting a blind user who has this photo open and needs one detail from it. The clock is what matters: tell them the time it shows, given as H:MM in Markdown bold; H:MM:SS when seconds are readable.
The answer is **12:58:41**
